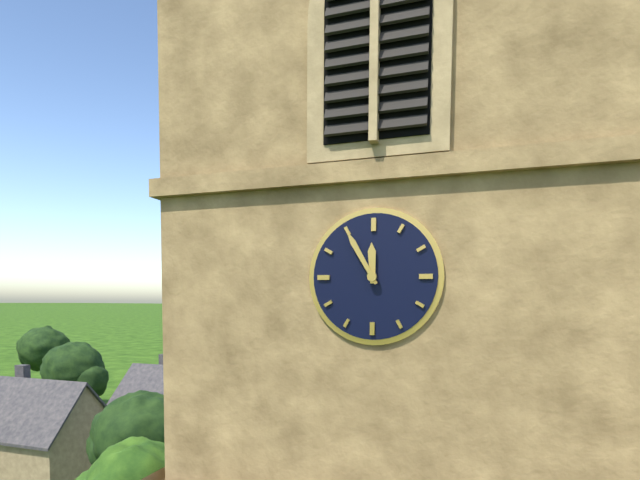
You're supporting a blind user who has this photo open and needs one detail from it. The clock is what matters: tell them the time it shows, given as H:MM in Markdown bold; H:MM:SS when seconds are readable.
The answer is **11:55**
